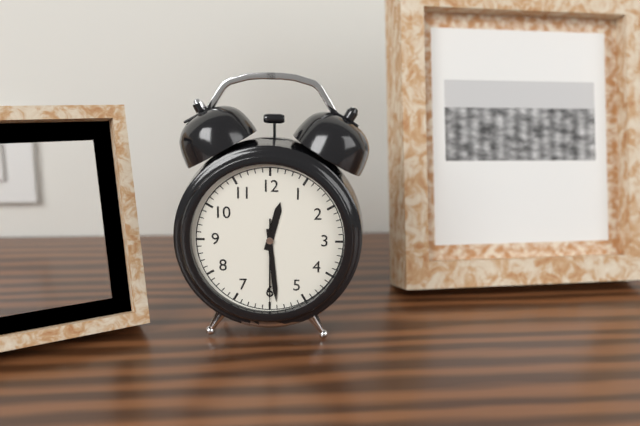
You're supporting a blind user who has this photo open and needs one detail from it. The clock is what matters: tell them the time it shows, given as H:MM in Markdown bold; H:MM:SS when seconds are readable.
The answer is **12:29:30**
